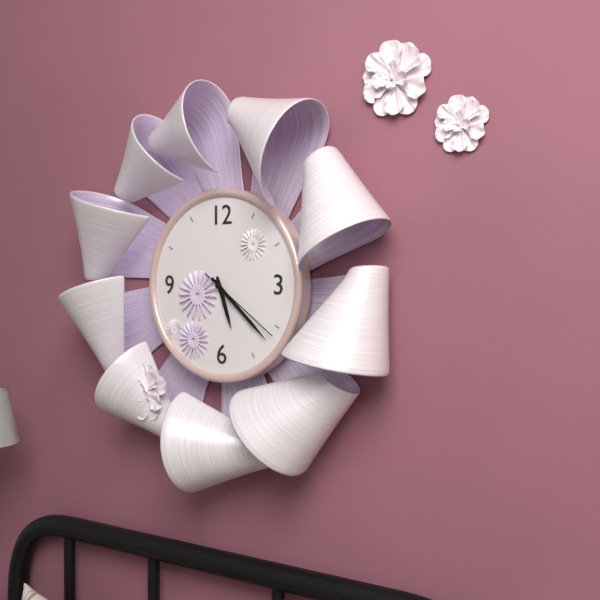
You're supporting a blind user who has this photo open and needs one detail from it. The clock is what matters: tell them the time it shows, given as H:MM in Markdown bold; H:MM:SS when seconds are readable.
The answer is **5:22:21**
